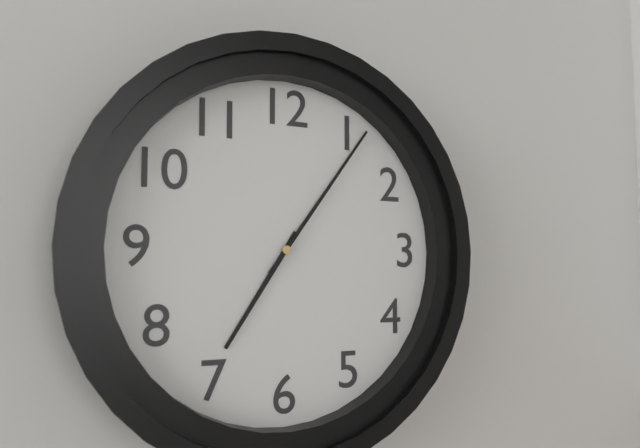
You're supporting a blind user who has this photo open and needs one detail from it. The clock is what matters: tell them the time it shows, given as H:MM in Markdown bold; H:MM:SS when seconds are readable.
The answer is **7:06**
